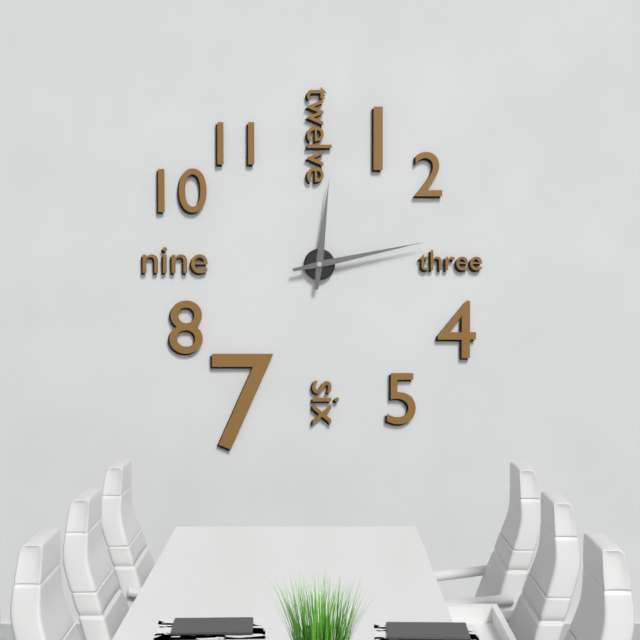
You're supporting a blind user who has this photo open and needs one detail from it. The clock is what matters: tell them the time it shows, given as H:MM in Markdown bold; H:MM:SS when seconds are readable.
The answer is **12:13**
